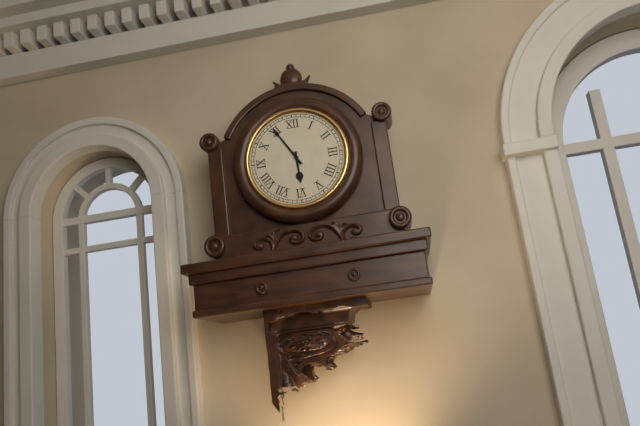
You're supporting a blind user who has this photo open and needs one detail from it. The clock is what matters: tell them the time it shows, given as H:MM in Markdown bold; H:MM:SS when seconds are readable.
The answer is **5:55**
